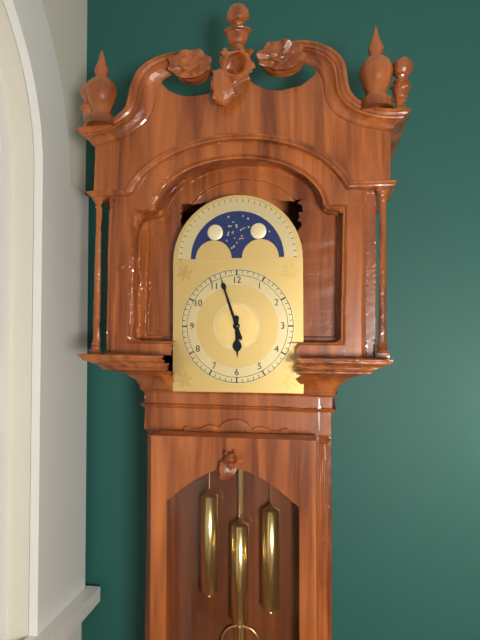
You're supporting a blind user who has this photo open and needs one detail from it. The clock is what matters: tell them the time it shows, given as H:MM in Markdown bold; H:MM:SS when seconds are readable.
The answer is **5:57**
